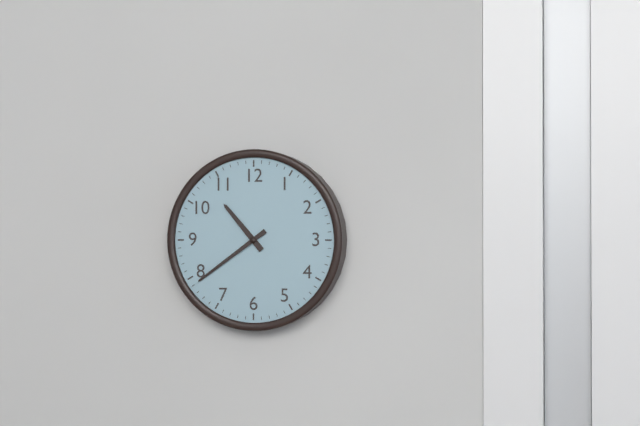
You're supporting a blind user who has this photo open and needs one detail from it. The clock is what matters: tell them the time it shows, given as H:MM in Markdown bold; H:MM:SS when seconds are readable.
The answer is **10:39**
